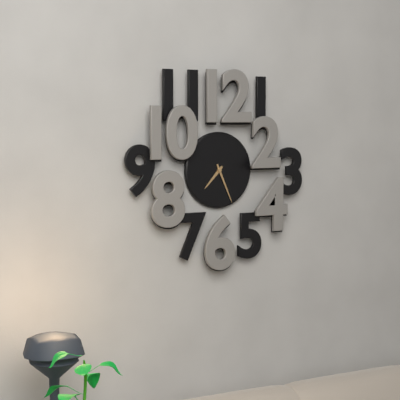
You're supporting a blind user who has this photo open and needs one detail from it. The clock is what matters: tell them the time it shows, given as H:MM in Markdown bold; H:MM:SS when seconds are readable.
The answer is **7:26**
